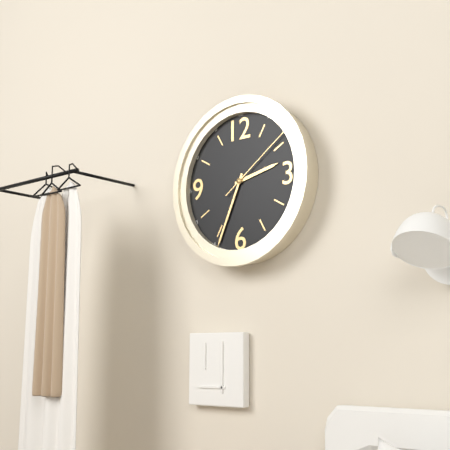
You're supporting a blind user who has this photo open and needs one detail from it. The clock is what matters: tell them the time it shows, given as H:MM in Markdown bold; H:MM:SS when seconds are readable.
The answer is **2:34:09**
